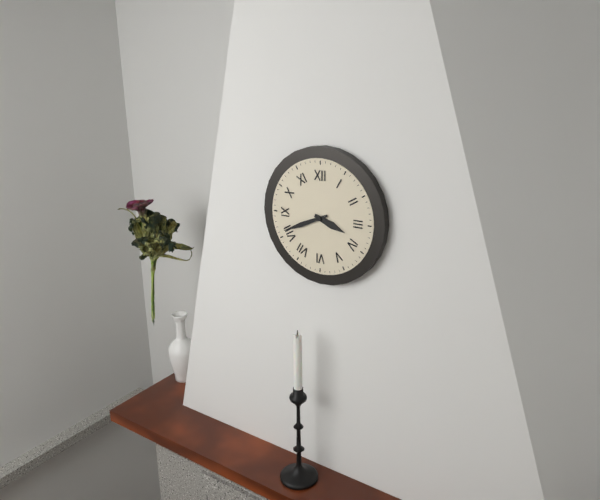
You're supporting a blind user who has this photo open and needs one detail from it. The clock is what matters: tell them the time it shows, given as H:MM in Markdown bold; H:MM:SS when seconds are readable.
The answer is **3:41**
